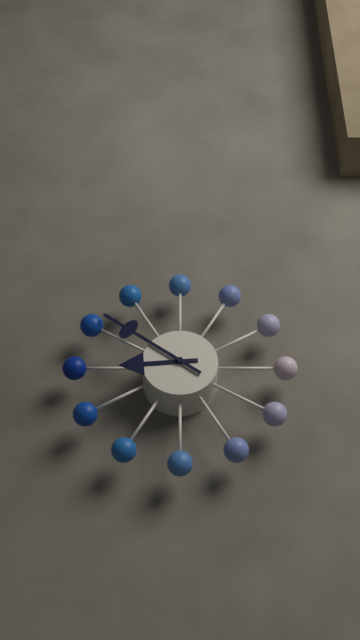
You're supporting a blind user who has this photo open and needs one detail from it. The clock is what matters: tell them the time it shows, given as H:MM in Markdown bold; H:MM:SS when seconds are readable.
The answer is **8:51**
